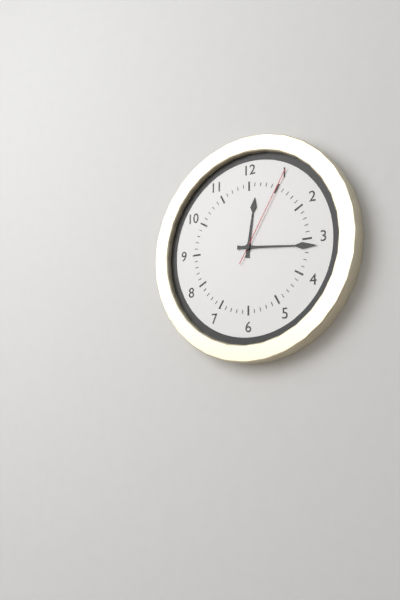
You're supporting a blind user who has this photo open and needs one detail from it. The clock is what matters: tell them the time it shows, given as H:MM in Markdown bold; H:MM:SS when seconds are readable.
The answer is **12:16:05**
